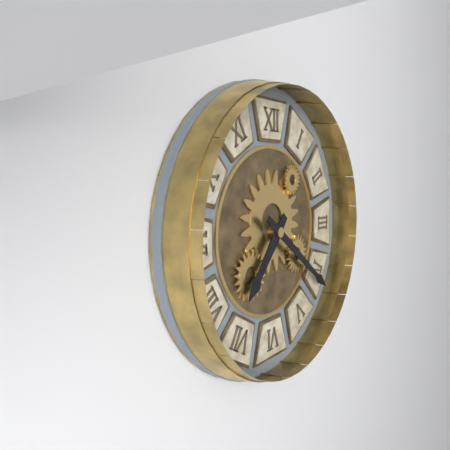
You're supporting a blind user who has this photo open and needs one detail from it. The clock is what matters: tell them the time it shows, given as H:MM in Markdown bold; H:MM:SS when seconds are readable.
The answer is **7:21**
